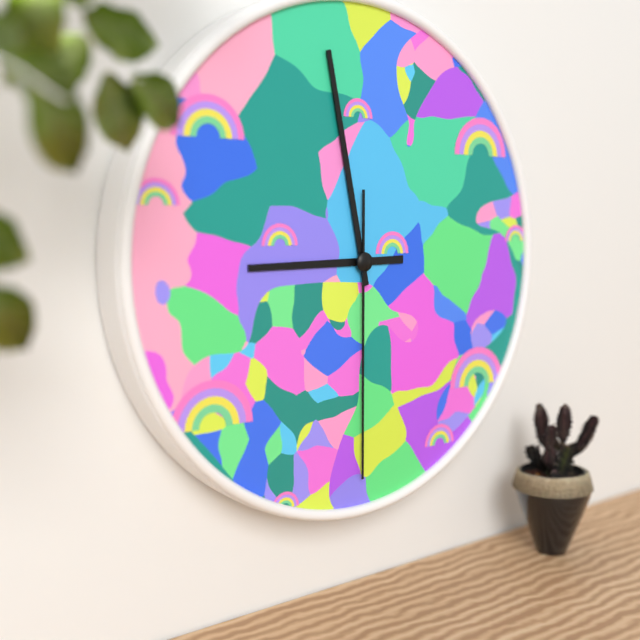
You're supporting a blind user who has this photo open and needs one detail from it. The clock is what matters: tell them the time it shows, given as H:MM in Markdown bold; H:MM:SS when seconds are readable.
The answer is **8:58:30**
